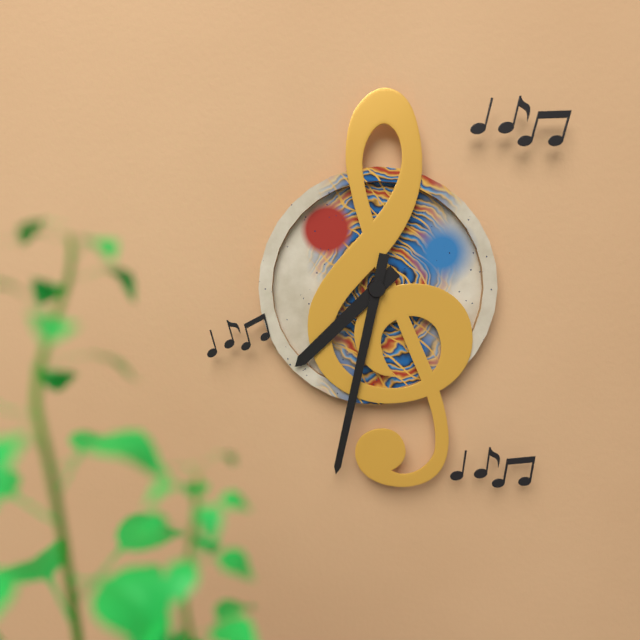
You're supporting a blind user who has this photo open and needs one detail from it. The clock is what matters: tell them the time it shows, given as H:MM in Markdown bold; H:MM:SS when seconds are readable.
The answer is **7:32**
